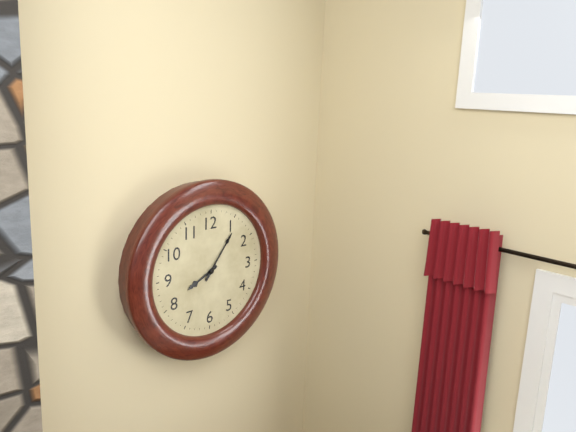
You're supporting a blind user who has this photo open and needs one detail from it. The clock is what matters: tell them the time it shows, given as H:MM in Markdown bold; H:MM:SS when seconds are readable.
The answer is **8:06**
